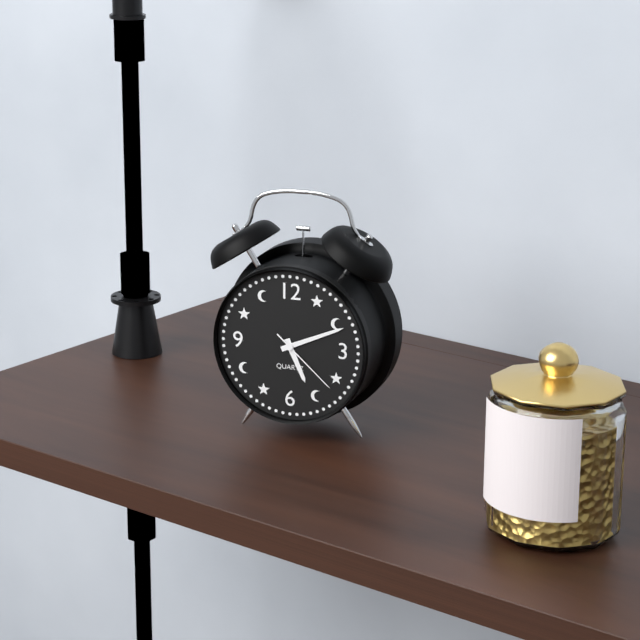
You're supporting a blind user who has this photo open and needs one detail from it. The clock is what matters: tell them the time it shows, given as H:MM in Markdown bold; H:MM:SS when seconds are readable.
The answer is **5:11:22**
